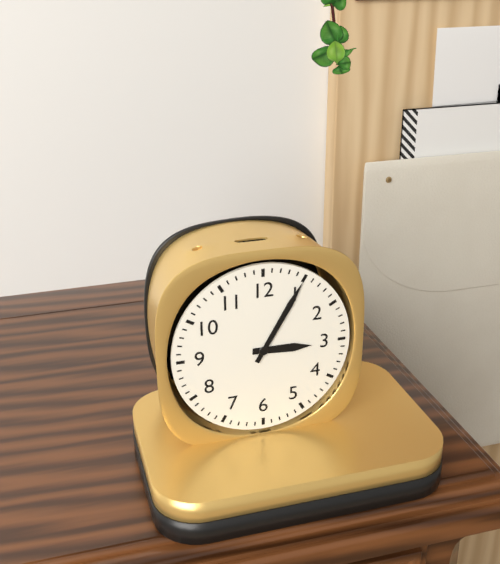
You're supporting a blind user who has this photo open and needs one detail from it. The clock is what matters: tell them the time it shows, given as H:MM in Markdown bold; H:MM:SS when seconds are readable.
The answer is **3:05**
